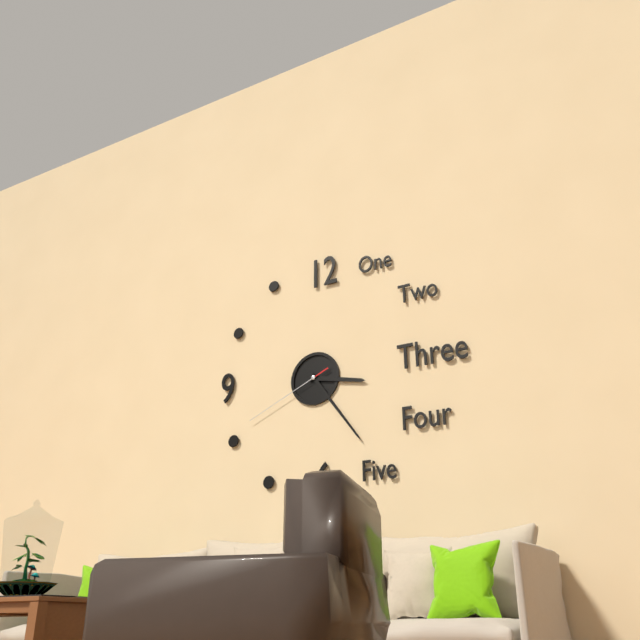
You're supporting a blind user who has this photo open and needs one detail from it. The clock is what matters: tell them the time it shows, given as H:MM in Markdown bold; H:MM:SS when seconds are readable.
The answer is **3:24:41**
